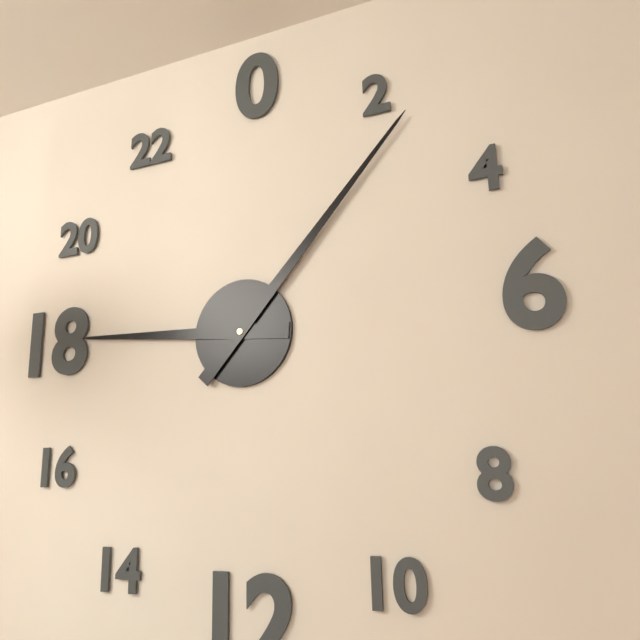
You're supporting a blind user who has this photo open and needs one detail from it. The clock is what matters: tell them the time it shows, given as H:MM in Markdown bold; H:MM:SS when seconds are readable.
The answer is **9:07**
